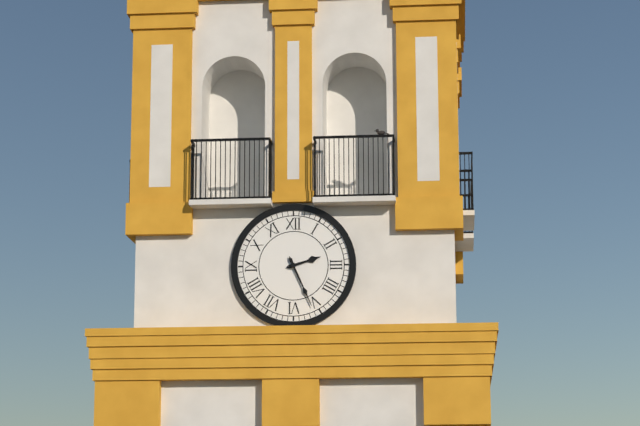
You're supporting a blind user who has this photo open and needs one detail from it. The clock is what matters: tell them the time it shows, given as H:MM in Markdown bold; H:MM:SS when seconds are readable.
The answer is **2:26**
